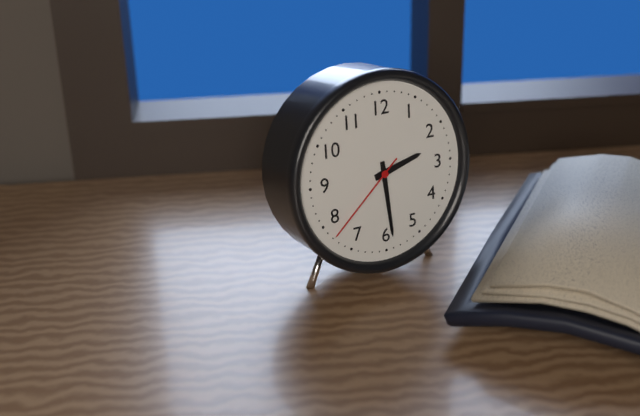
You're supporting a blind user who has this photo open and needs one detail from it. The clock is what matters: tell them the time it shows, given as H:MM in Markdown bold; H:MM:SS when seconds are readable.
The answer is **2:29:38**
